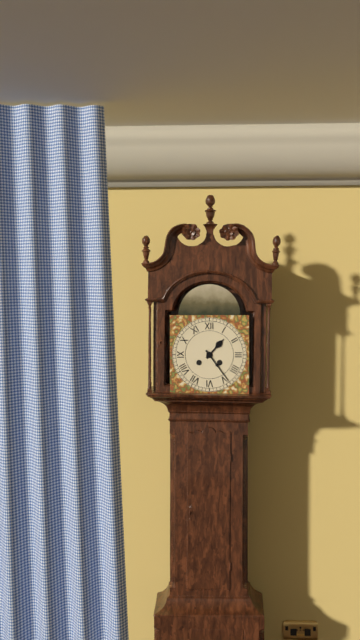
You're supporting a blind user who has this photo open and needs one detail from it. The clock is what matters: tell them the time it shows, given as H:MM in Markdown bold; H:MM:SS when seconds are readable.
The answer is **1:24**
